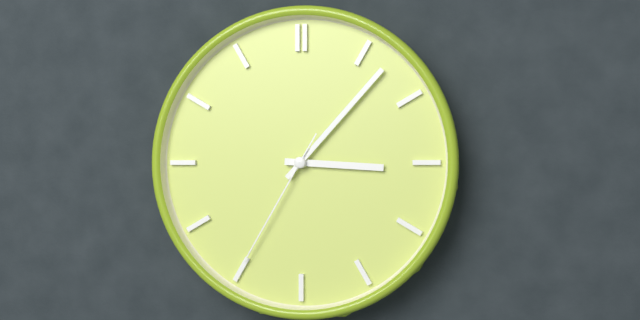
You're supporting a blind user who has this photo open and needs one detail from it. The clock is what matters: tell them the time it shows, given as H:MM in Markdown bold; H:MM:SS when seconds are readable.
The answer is **3:07:35**
